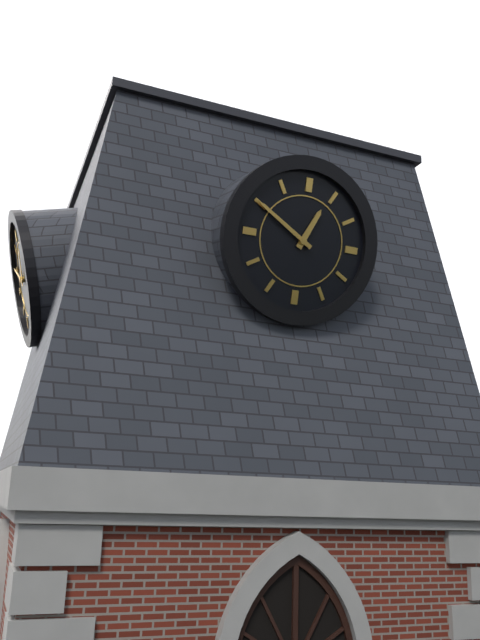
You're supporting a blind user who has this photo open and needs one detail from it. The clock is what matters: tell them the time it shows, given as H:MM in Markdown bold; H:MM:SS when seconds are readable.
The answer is **12:50**
